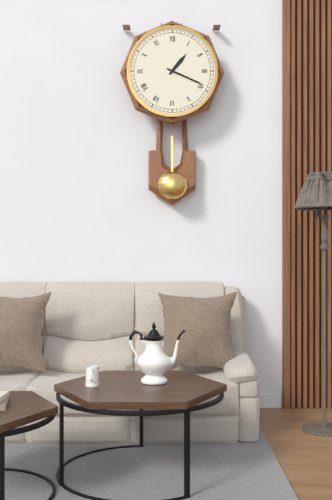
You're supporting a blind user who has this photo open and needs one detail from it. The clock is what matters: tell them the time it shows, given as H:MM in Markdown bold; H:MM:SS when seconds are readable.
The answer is **1:19**
